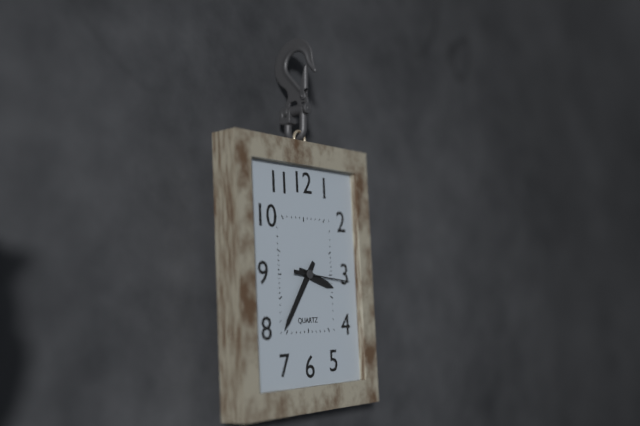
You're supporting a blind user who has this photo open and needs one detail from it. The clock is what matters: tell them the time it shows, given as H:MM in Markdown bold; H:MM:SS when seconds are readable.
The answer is **3:36:16**
